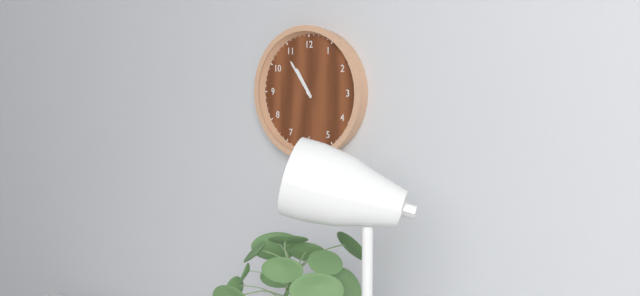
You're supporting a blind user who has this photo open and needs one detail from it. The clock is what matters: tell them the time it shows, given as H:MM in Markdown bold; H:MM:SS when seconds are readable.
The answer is **10:54**
